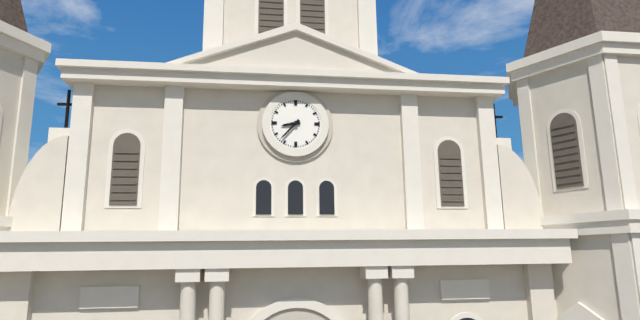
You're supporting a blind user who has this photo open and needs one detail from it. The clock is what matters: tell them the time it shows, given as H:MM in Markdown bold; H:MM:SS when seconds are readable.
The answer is **8:37**
